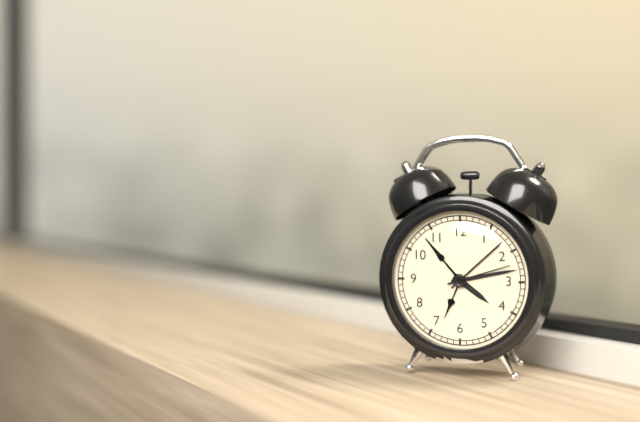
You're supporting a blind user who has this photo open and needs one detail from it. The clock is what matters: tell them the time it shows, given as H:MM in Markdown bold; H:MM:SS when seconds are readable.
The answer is **4:13:12**
